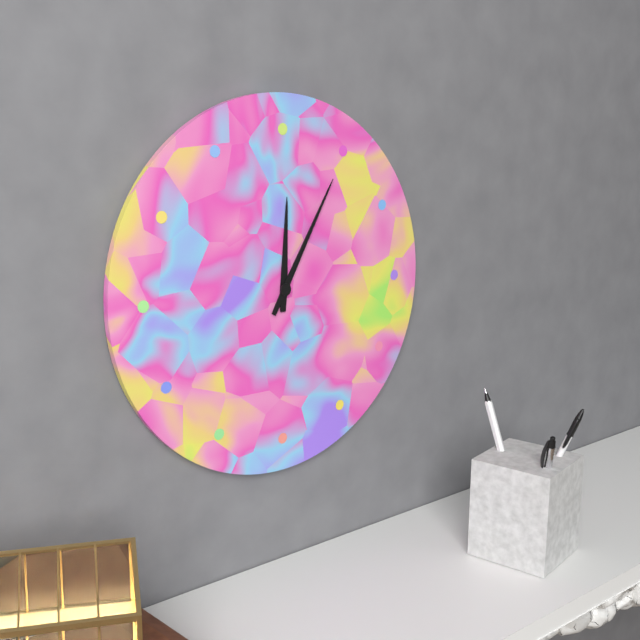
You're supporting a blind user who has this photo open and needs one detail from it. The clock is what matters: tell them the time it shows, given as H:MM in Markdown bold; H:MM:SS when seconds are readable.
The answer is **12:05**
